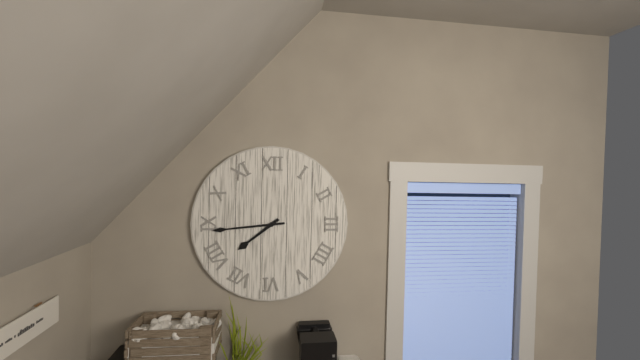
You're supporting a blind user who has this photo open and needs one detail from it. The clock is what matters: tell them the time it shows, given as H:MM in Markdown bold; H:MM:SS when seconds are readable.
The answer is **7:44**
